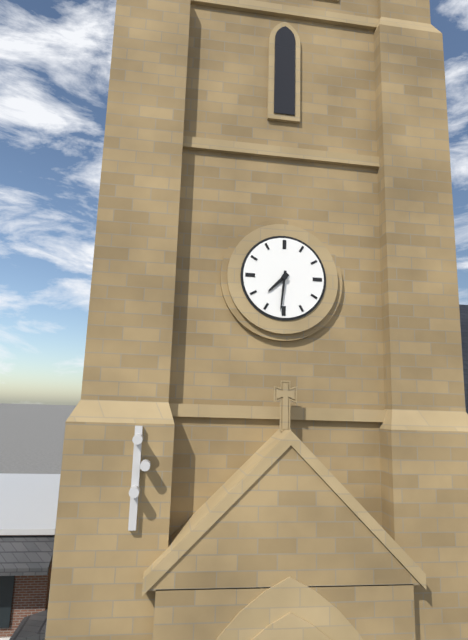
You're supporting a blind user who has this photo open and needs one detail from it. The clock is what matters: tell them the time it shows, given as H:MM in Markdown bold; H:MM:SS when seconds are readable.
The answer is **7:31**
